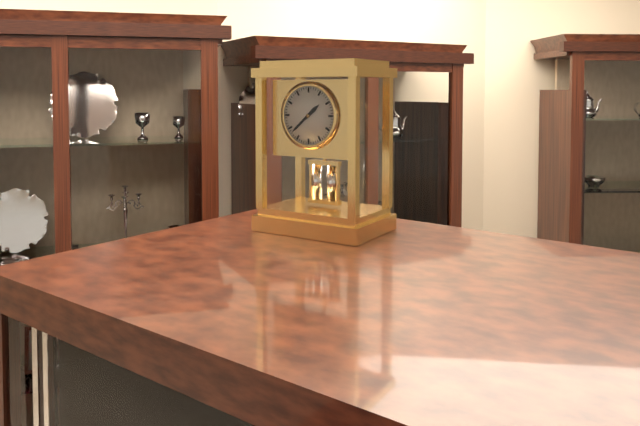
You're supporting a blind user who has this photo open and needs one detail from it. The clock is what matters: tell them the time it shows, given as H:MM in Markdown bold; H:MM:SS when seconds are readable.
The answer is **1:38**
